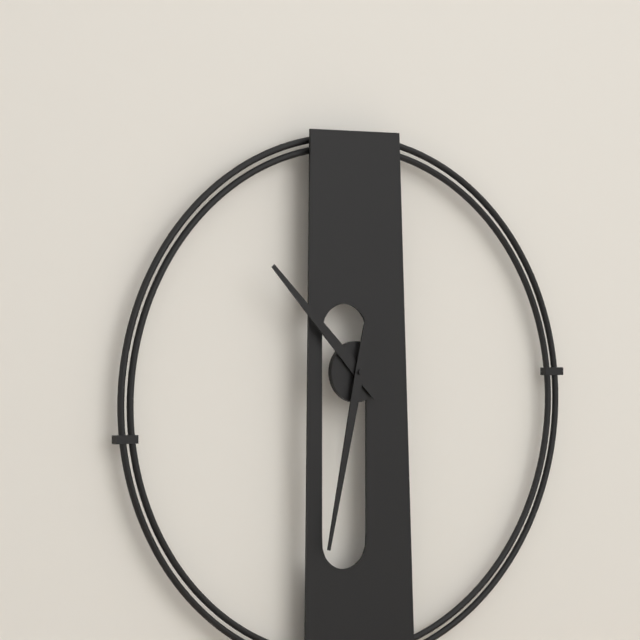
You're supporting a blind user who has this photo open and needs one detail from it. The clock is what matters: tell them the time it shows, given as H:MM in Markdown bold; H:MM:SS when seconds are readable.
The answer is **10:32**
